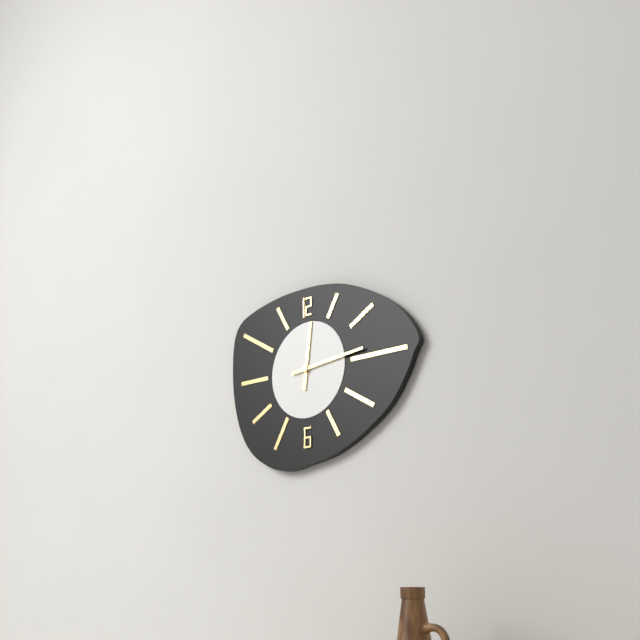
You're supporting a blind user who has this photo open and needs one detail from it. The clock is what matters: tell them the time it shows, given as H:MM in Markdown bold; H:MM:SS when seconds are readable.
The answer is **12:14**
